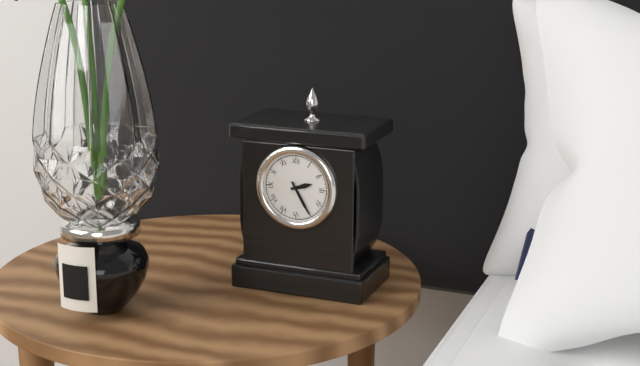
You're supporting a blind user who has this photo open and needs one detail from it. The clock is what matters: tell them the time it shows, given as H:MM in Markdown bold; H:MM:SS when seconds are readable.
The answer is **2:25**
